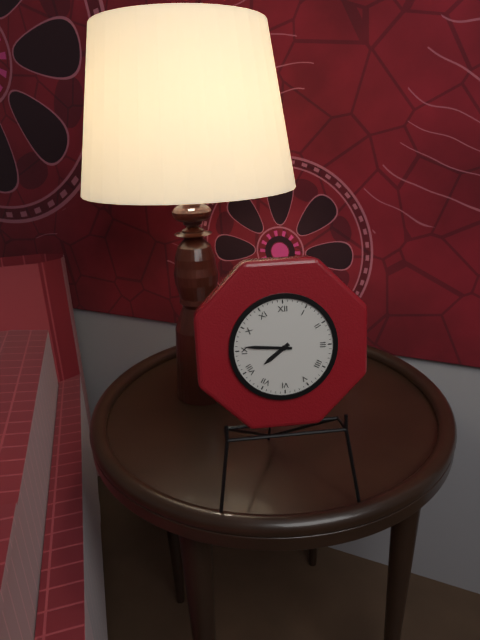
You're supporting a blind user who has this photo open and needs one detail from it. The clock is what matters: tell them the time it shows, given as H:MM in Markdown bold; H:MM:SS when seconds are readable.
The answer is **7:46**
